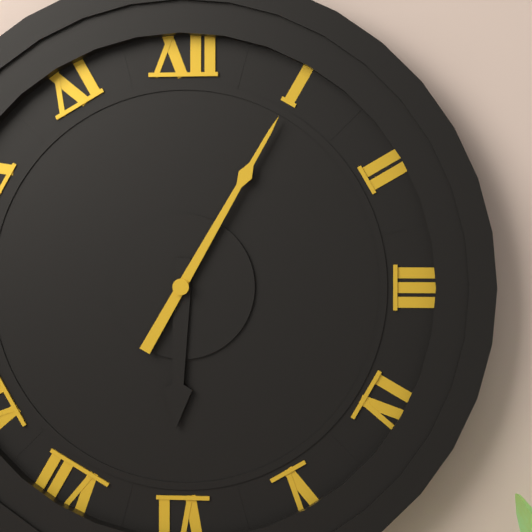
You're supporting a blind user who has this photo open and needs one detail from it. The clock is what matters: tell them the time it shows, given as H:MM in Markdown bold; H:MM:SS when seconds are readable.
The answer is **6:05**
